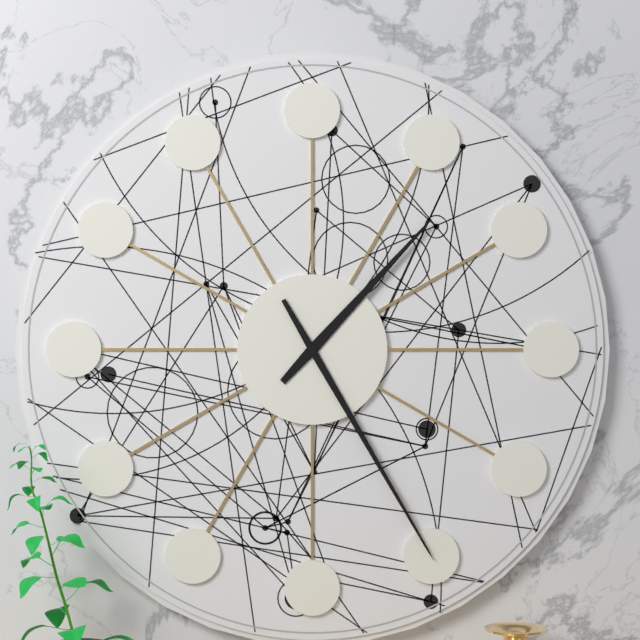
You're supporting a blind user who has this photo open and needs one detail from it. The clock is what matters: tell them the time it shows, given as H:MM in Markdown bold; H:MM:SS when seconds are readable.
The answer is **1:25**
